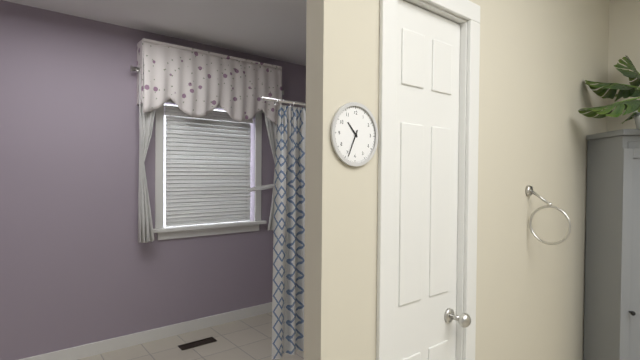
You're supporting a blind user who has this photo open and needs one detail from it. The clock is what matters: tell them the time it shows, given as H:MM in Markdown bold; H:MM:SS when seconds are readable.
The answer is **10:34**
